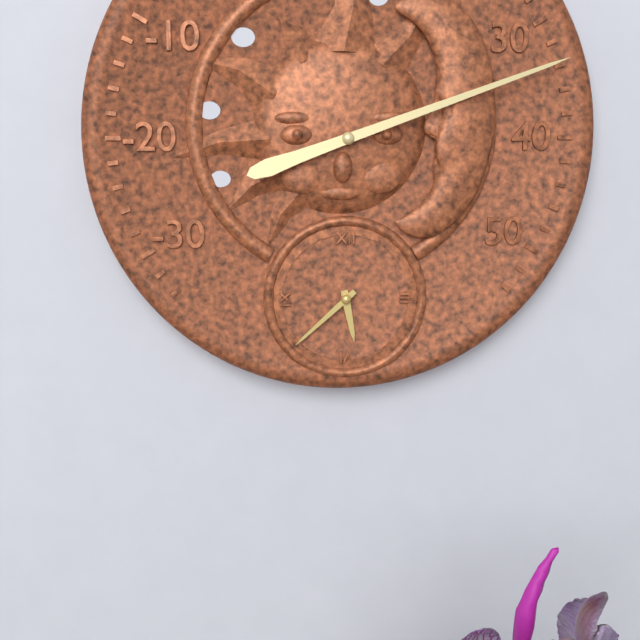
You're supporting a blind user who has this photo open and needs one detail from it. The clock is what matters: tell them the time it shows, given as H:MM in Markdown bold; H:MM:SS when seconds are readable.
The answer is **5:38**
